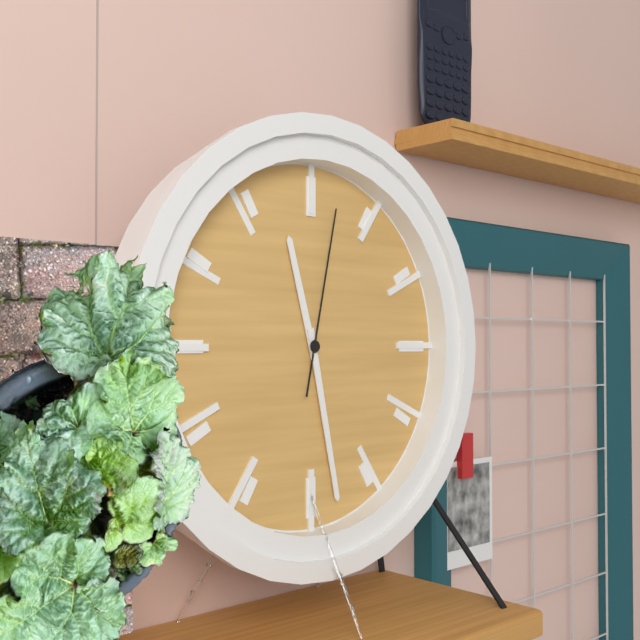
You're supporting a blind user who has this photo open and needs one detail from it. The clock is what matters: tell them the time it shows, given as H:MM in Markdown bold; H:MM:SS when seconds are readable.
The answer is **11:28:02**
